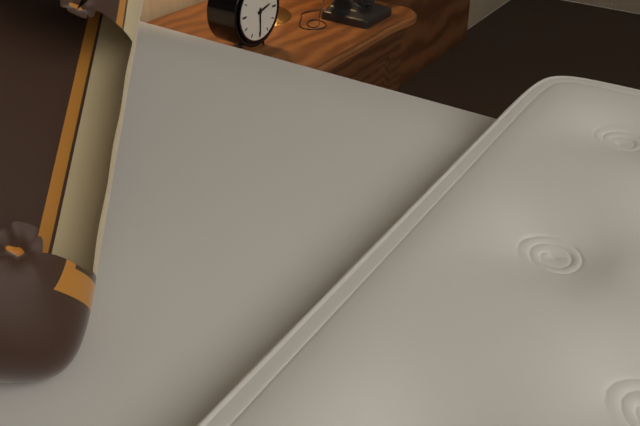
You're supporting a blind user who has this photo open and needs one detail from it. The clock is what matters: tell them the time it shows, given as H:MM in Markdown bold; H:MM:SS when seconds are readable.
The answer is **2:30**
